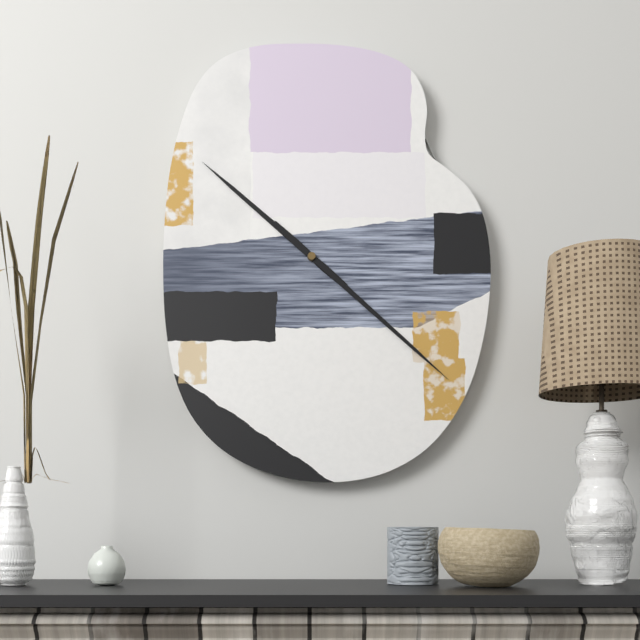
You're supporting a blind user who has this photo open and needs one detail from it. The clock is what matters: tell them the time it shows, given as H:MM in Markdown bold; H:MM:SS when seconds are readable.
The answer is **10:22**
